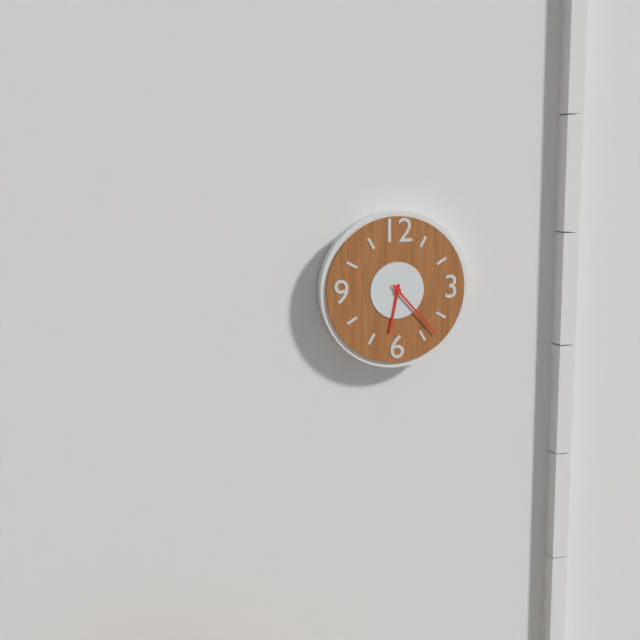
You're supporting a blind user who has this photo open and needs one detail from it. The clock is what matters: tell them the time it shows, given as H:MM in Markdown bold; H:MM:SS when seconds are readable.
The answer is **6:23**
